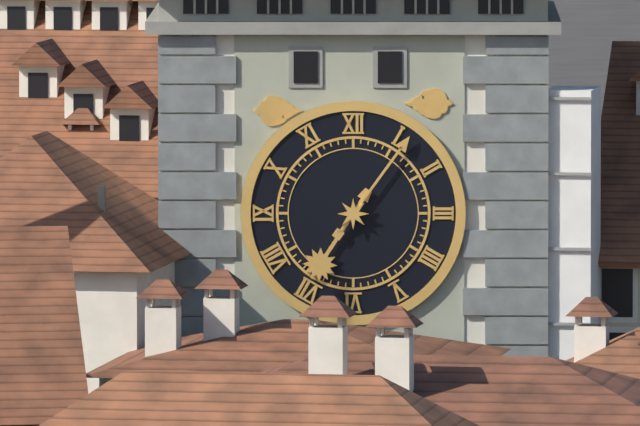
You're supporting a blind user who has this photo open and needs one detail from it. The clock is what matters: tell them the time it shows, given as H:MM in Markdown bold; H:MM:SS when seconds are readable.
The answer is **7:06**
